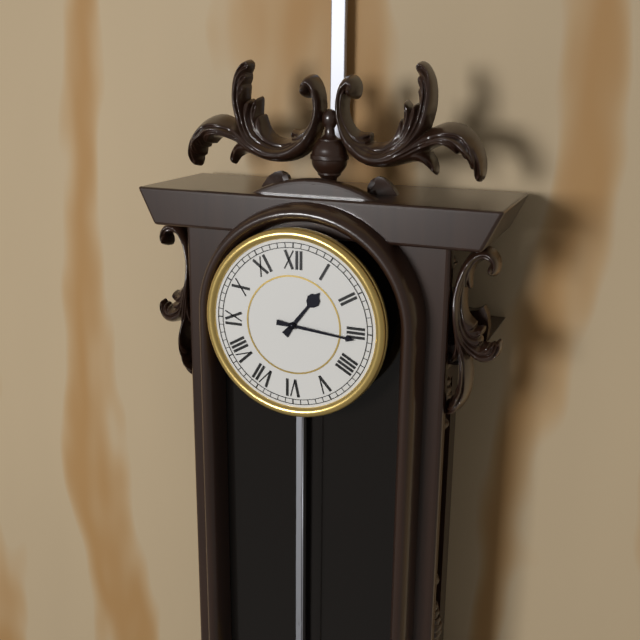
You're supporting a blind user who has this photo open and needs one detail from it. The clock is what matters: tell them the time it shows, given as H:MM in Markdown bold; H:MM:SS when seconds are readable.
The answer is **1:16**
